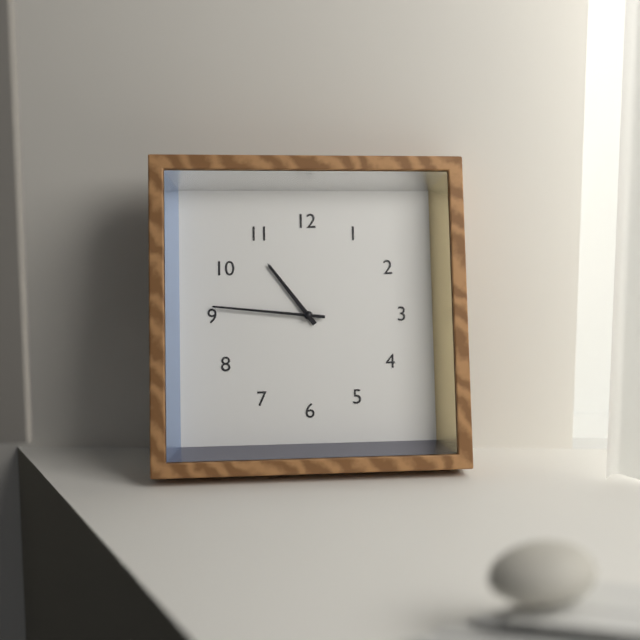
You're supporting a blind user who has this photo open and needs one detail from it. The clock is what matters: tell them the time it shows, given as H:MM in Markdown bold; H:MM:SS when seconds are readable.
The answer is **10:46**
